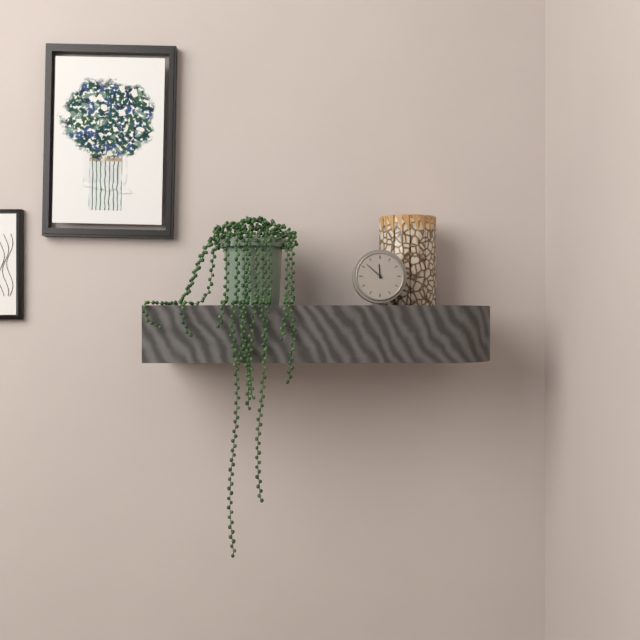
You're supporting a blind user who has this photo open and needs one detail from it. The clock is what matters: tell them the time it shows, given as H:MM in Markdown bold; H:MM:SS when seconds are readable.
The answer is **11:52**
